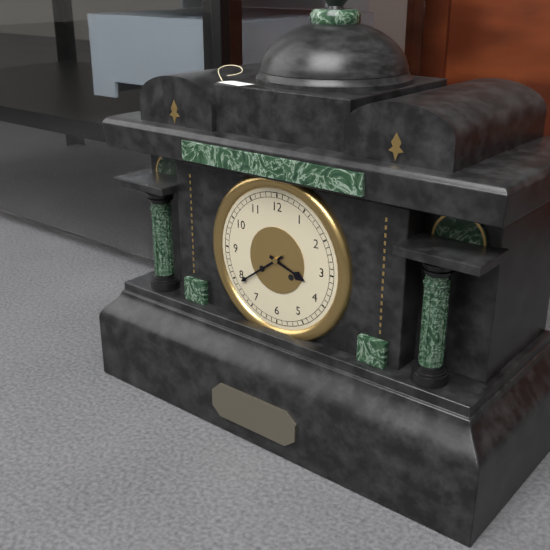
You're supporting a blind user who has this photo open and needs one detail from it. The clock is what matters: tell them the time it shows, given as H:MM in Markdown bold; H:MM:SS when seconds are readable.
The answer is **3:39**
